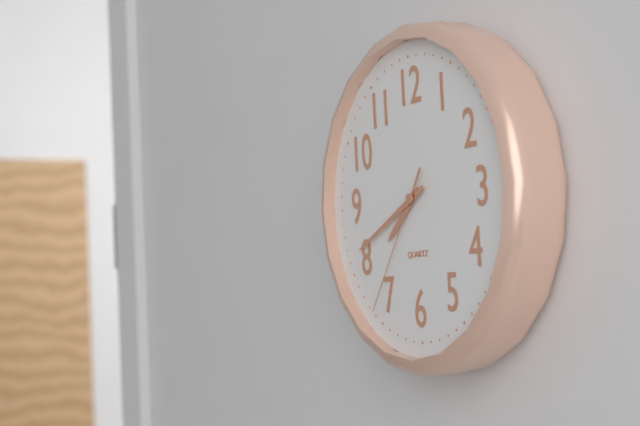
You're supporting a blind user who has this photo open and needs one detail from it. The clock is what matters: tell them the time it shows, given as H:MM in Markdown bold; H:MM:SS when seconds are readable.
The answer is **7:41:36**
